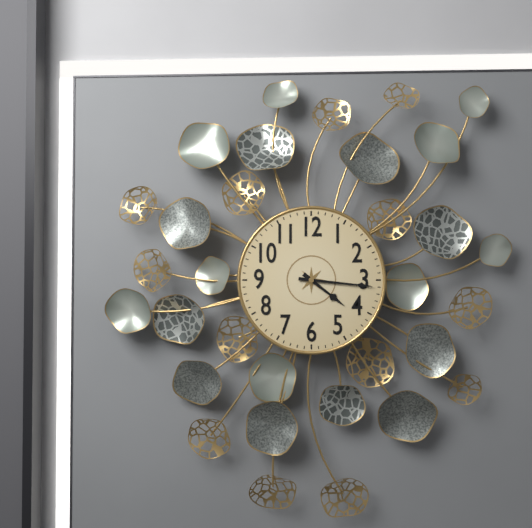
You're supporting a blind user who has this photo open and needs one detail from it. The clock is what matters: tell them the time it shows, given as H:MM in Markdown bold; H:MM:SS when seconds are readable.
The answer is **4:16**
